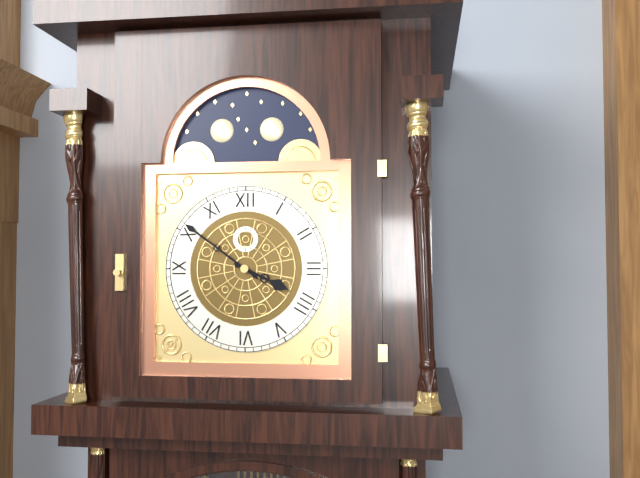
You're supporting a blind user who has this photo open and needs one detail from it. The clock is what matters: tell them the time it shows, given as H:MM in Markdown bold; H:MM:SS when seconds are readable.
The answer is **3:51**
